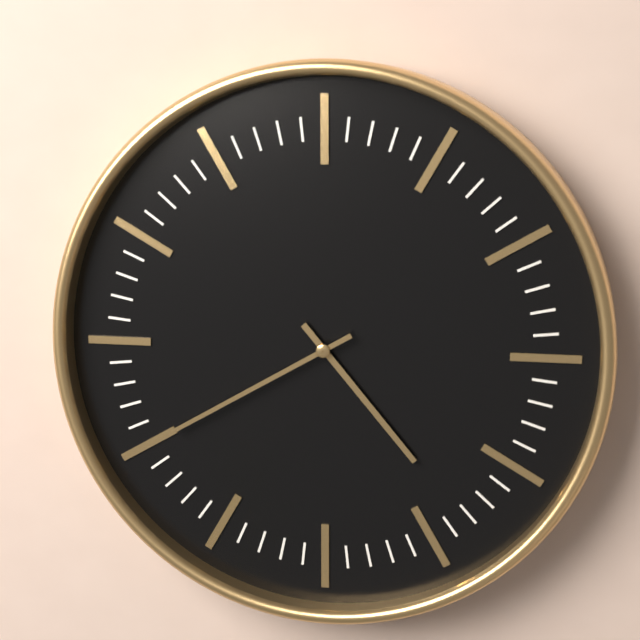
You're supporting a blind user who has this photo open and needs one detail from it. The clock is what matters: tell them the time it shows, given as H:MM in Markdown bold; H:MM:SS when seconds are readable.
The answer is **4:40**
